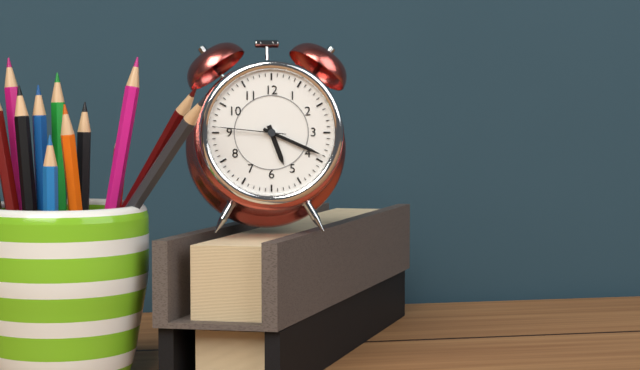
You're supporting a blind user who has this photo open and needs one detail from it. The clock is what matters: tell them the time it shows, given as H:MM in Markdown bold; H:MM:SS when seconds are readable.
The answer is **5:19:46**
